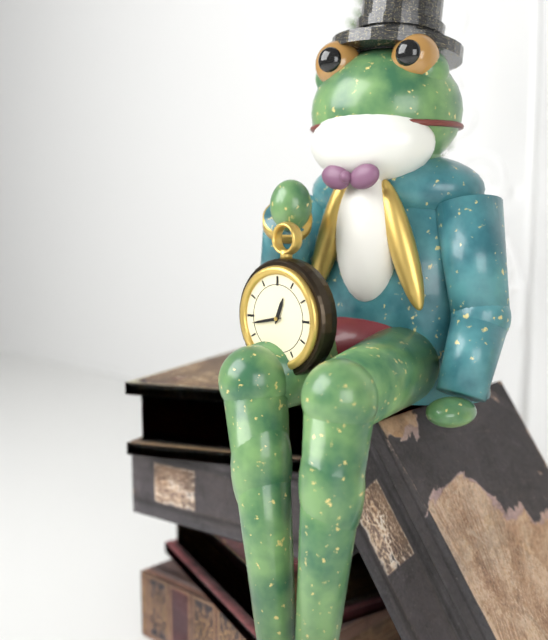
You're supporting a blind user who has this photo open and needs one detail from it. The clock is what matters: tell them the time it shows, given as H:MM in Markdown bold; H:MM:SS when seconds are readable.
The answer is **12:43**
